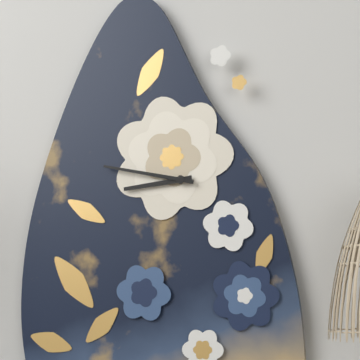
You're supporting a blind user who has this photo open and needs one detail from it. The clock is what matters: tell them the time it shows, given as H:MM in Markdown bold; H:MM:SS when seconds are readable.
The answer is **8:47**
